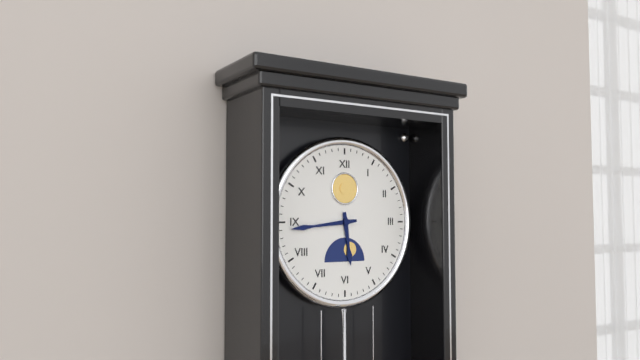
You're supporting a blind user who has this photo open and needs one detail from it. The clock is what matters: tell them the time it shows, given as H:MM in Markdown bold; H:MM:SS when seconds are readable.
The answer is **5:44**
